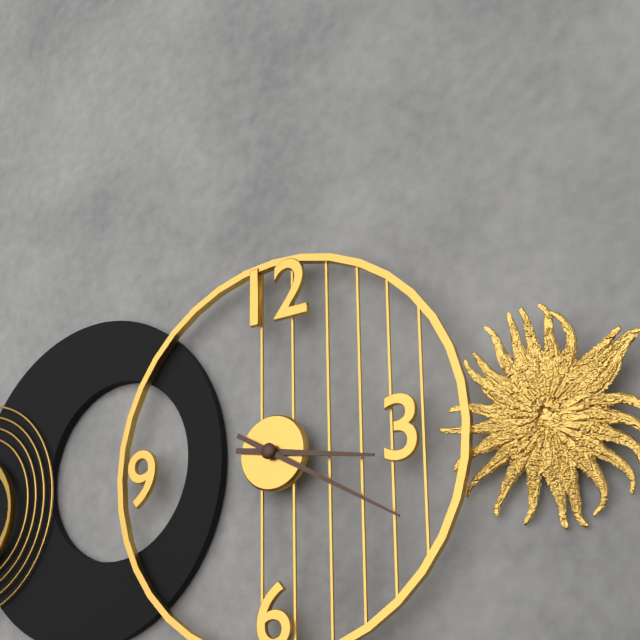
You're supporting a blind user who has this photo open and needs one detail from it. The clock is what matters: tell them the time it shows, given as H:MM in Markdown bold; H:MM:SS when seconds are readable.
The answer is **3:20**
